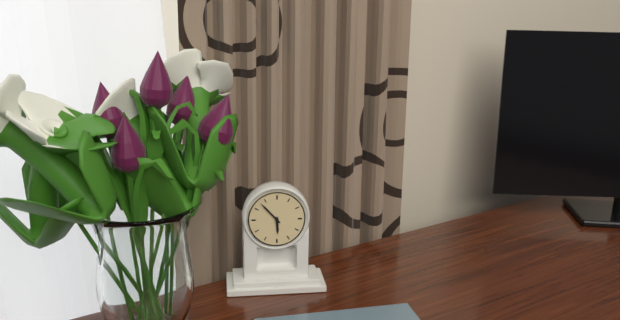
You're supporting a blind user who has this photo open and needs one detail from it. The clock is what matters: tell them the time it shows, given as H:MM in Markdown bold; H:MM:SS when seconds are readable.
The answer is **5:53**
